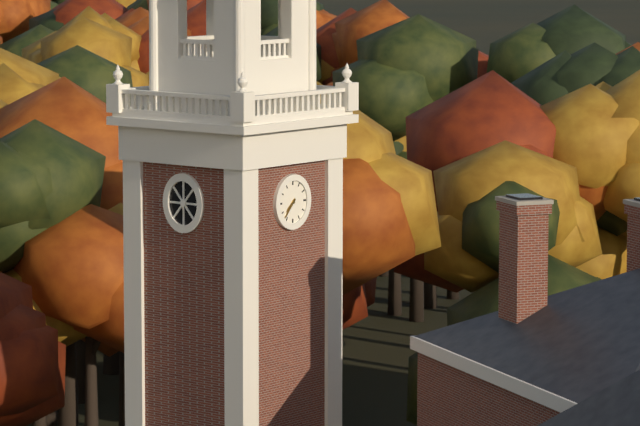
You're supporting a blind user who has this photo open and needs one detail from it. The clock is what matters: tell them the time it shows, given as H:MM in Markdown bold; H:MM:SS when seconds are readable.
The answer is **7:37**
